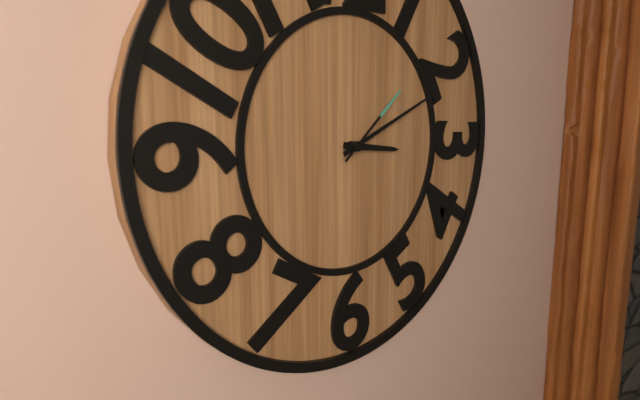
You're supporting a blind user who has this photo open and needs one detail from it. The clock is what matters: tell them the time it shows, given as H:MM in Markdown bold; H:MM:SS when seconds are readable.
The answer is **3:11:08**
